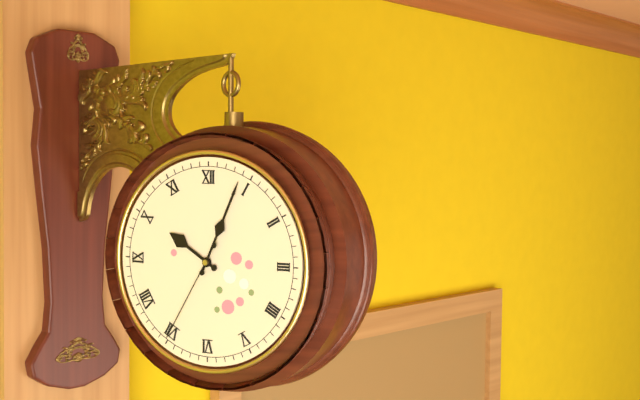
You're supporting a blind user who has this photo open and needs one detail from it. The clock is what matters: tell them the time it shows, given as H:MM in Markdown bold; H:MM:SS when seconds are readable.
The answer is **10:04:35**
